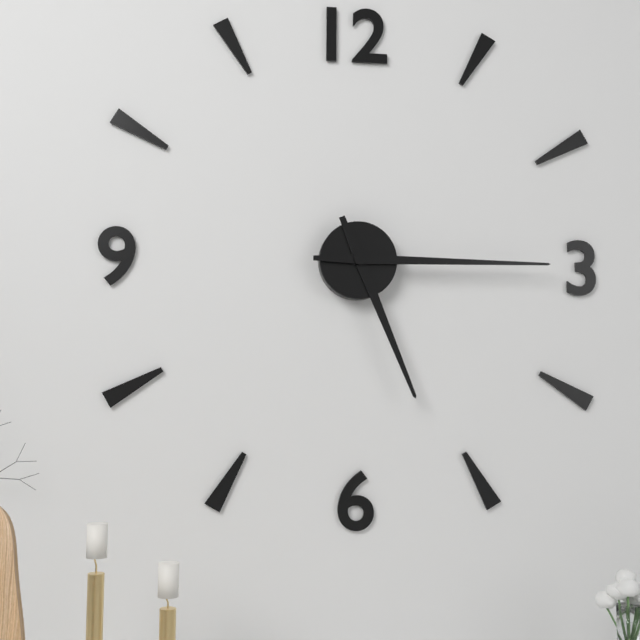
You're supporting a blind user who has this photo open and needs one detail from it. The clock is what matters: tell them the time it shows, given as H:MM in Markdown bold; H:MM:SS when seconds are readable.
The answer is **5:15**
